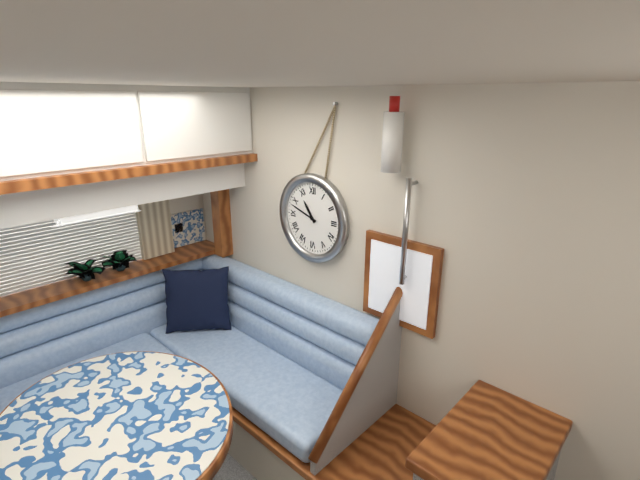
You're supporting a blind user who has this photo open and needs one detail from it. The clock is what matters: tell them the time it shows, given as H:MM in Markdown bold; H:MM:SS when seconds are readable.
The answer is **10:48**
